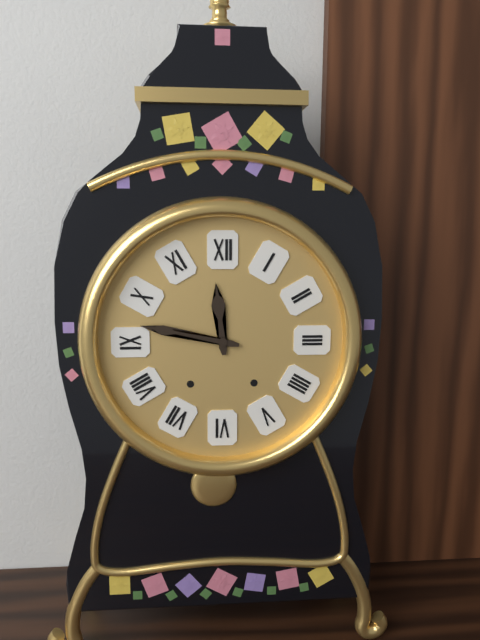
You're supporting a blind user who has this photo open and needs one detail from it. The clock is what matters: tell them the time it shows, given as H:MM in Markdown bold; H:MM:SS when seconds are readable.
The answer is **11:47**
